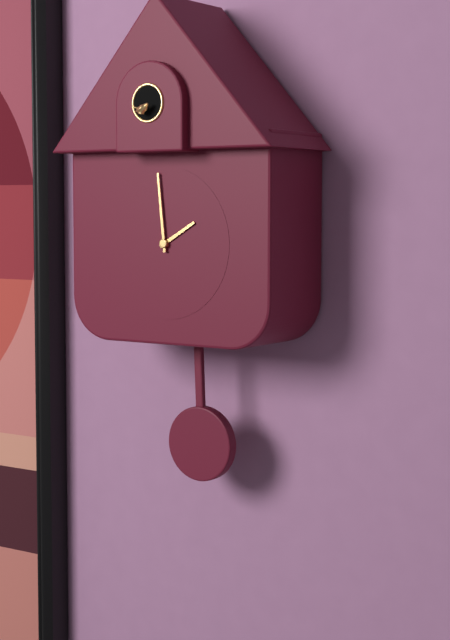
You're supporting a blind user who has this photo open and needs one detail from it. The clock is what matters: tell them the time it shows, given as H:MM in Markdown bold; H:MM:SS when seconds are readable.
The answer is **1:59**
